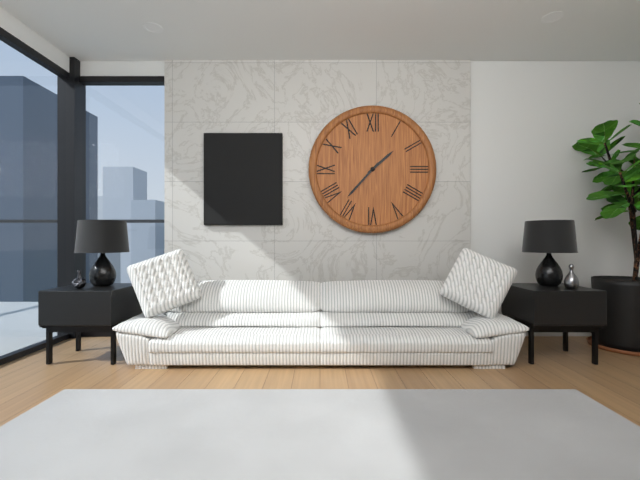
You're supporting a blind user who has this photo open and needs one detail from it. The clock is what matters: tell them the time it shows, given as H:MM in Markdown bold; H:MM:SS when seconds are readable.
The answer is **1:37**
